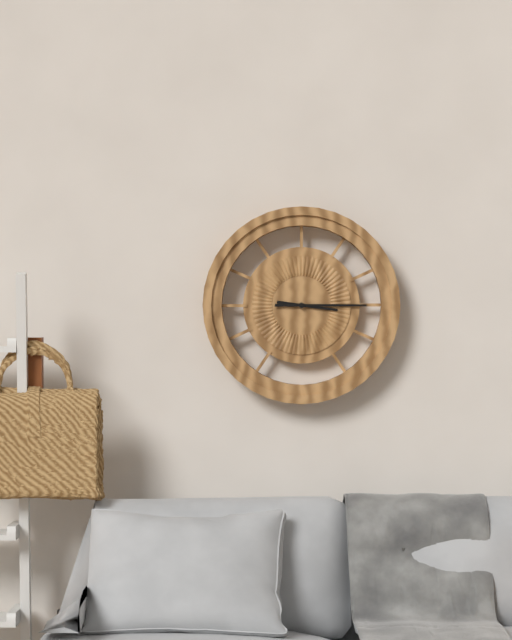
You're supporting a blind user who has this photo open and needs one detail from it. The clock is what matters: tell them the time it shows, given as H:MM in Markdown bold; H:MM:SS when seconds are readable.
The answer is **3:15**
